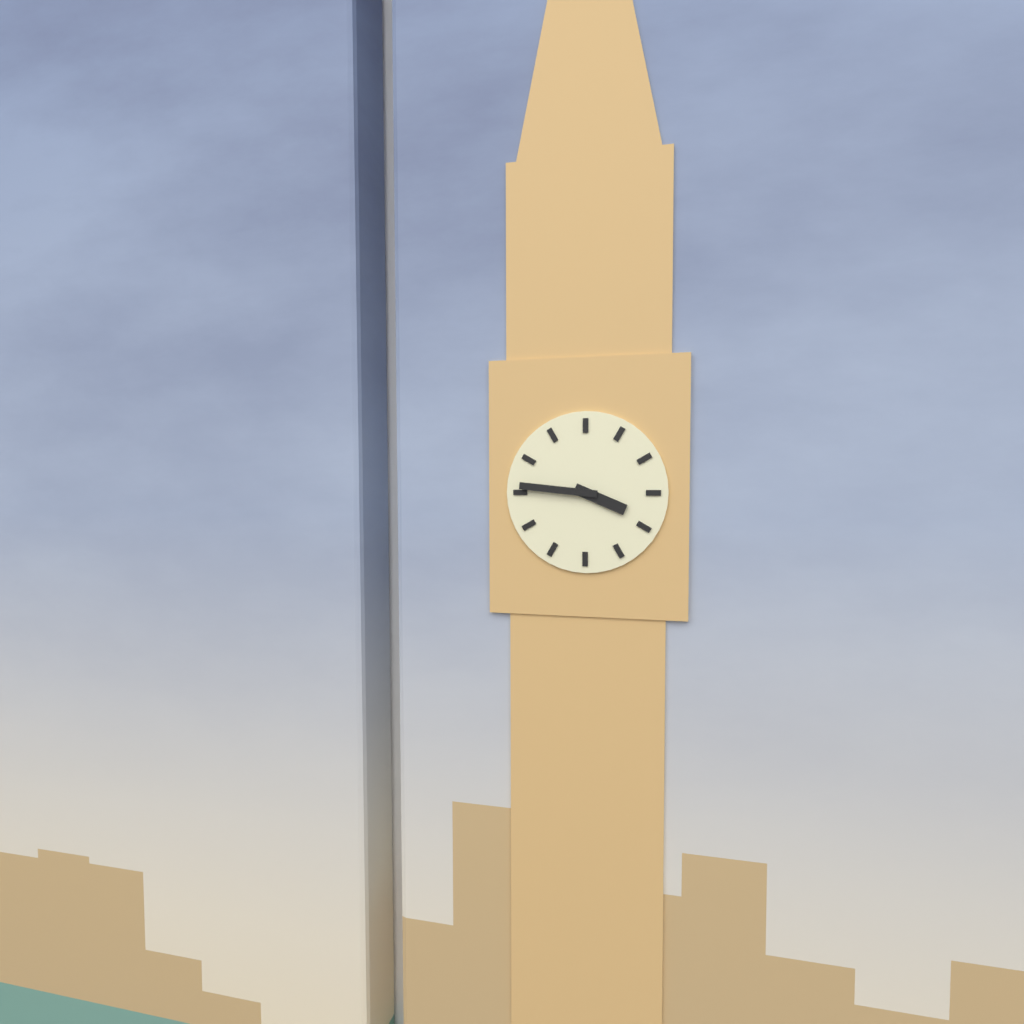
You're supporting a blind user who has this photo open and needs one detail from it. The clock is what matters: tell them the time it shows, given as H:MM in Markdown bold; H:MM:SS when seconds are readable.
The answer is **3:46**
